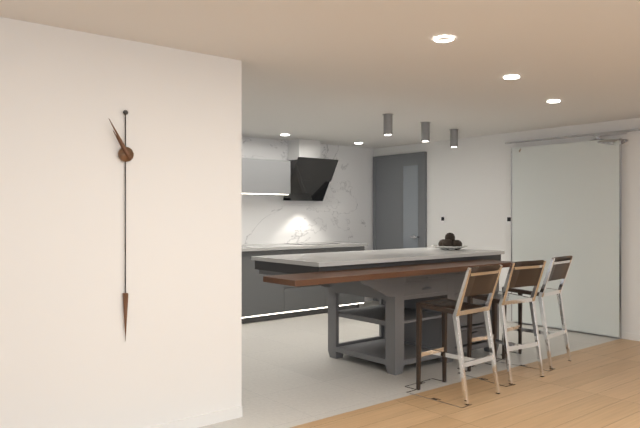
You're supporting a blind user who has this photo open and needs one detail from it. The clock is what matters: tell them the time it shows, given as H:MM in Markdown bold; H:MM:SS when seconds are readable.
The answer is **10:55**
